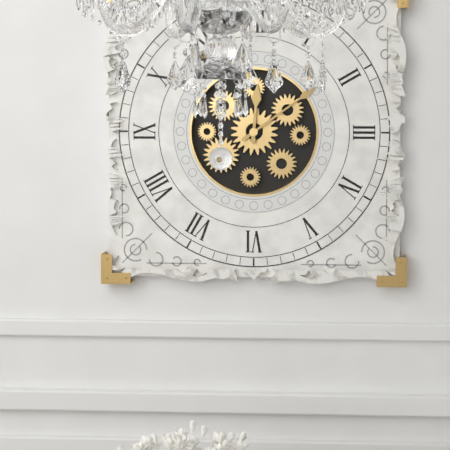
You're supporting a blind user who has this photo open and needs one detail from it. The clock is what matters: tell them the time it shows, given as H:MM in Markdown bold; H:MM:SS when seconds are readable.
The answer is **12:09**
